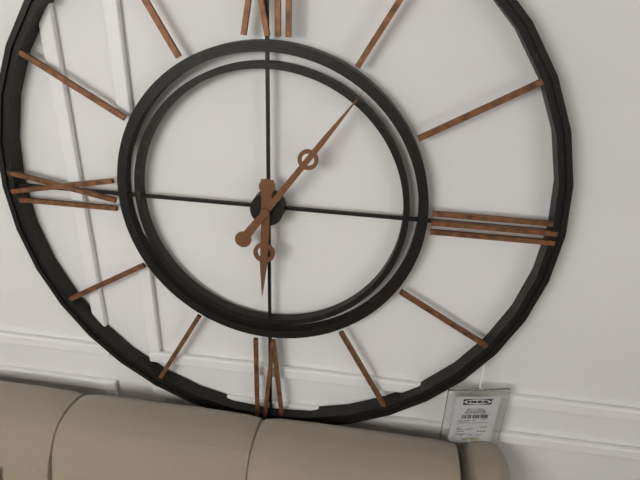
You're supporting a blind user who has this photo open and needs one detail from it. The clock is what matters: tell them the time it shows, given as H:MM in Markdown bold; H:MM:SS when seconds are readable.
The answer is **6:06**
